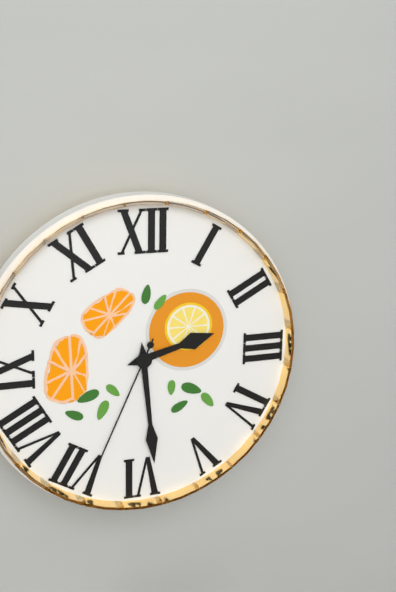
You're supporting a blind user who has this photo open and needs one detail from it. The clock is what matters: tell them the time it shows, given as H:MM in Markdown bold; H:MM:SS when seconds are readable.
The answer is **2:29:34**
